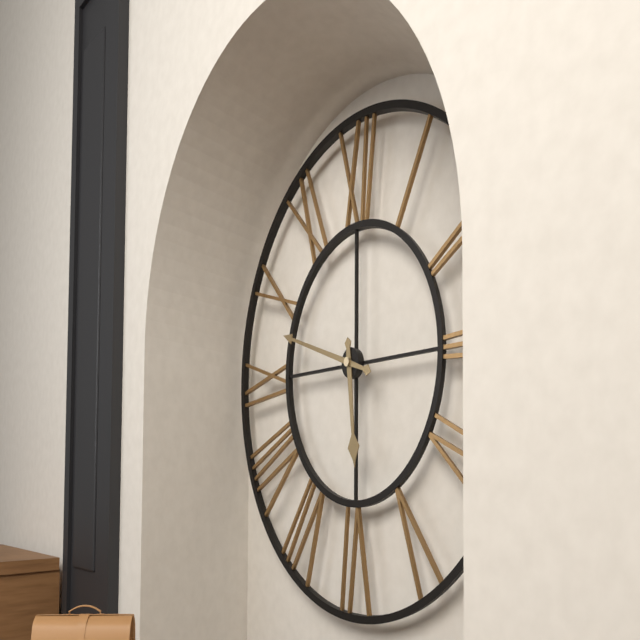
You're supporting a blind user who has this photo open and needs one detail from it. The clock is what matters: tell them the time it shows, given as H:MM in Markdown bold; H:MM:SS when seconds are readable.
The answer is **5:48**
